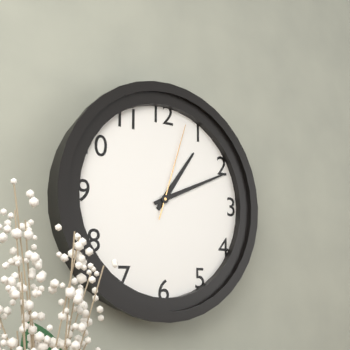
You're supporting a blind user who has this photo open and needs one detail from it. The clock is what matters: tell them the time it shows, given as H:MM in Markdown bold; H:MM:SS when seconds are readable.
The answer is **1:11:03**
